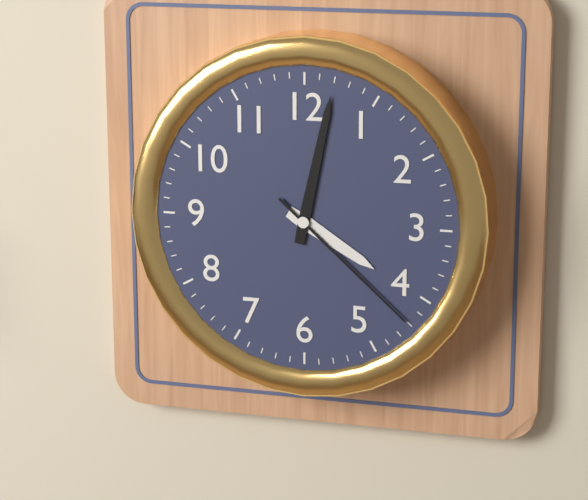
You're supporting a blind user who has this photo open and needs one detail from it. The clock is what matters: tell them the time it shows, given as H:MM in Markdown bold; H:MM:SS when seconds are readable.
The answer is **4:02:22**
